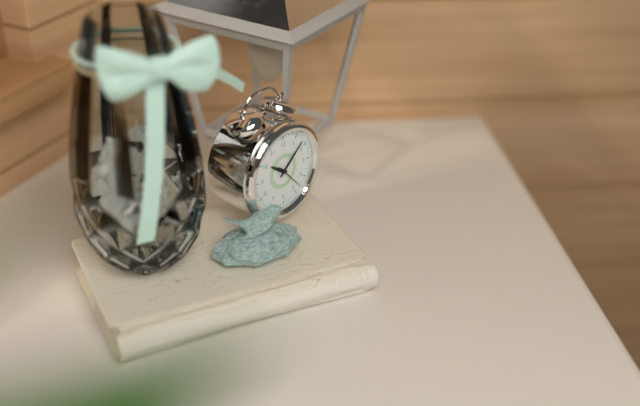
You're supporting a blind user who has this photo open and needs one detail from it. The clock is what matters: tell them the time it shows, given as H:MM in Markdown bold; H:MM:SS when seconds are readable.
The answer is **10:08**
